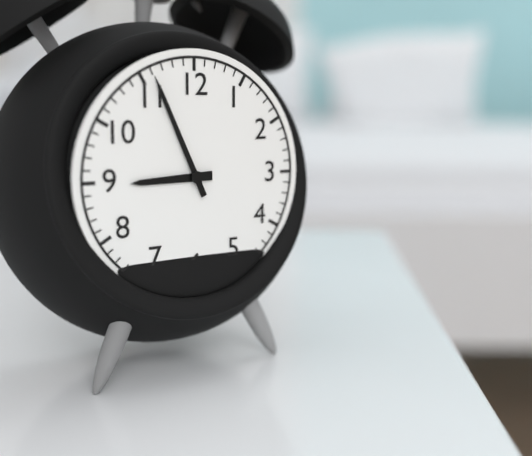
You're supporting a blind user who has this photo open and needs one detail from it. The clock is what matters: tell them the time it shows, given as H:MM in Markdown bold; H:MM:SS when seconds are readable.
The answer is **8:56**
